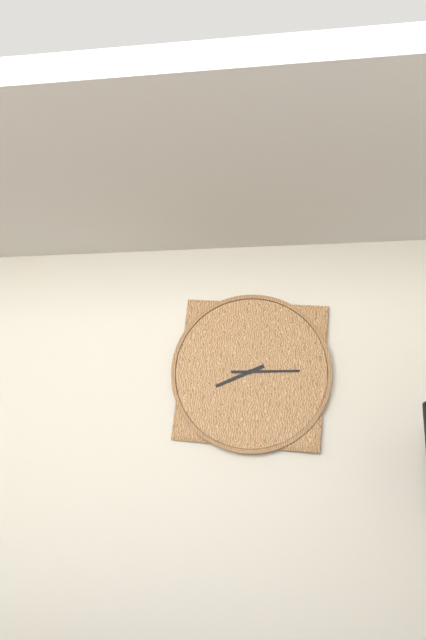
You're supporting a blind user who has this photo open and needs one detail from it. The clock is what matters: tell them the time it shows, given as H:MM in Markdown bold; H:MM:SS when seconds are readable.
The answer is **8:15**
